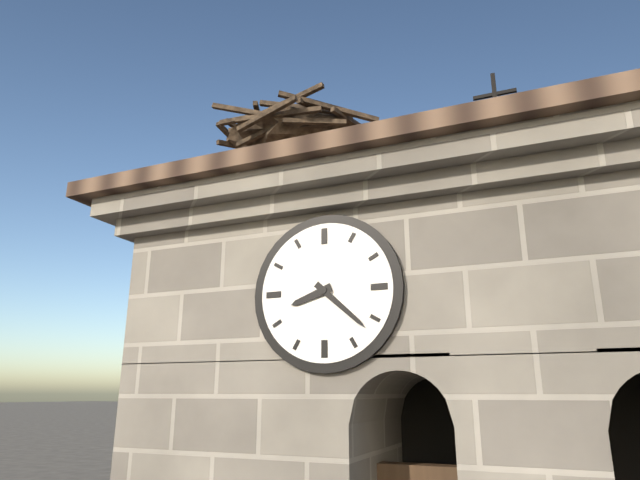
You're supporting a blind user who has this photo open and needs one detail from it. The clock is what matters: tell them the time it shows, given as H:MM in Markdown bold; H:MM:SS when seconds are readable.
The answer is **8:22**
